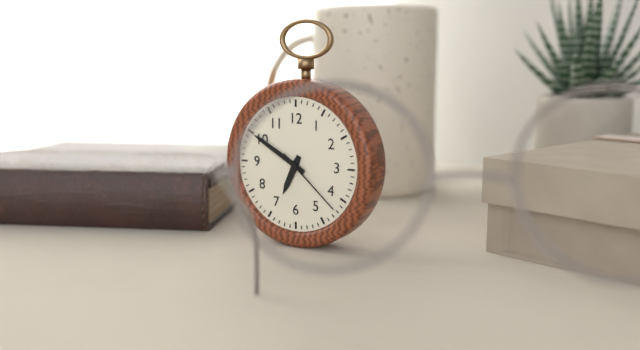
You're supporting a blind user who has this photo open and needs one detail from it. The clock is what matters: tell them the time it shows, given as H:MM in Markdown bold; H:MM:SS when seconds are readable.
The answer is **6:50:22**
